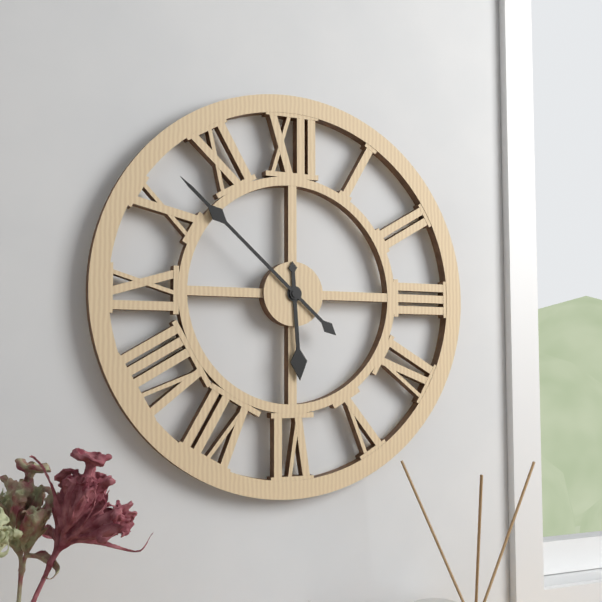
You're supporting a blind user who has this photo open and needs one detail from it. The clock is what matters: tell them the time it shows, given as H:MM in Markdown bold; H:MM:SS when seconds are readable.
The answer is **5:52**
